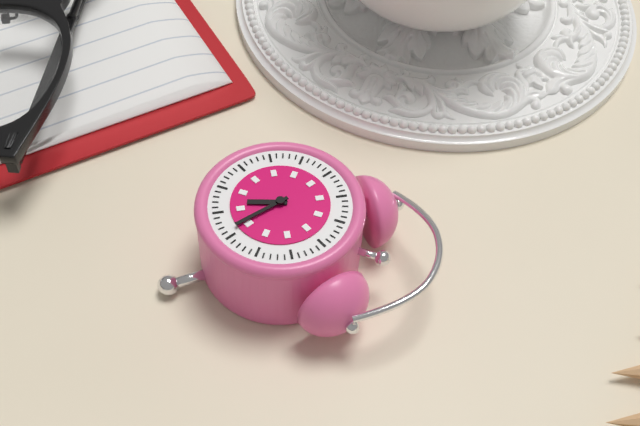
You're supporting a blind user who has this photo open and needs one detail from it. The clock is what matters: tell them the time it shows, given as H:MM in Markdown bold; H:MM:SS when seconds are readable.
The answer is **5:21**
